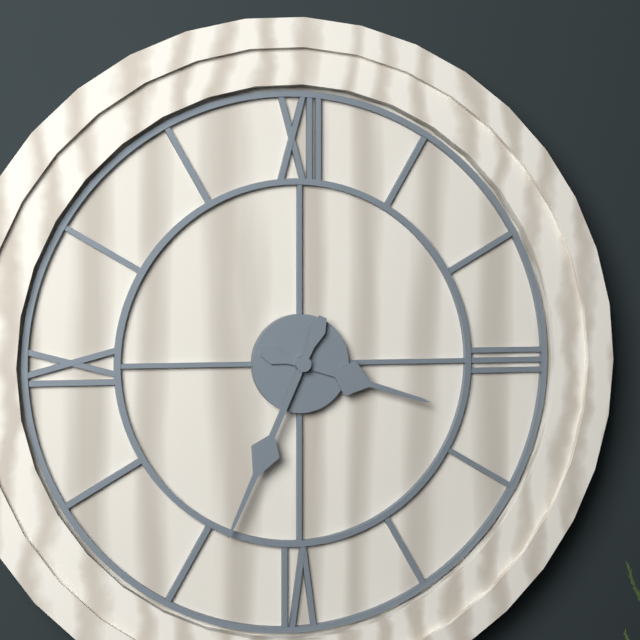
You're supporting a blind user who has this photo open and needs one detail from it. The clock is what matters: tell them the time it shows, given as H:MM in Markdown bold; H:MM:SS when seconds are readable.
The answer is **3:34**
